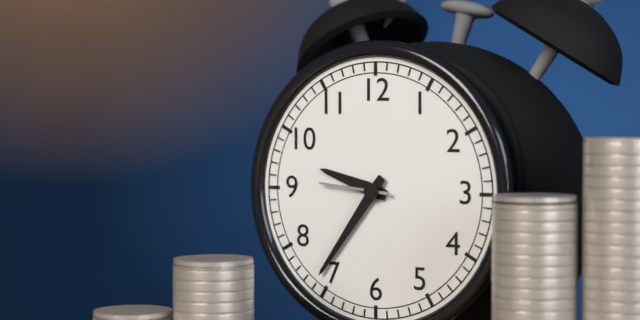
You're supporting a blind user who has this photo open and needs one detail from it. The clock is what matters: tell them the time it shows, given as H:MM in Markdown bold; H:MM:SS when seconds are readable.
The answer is **9:36:46**
